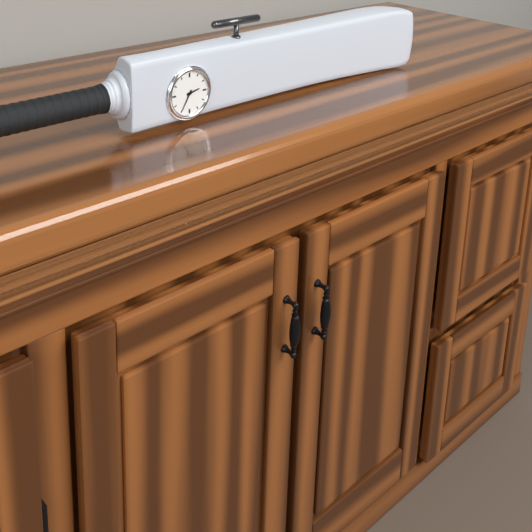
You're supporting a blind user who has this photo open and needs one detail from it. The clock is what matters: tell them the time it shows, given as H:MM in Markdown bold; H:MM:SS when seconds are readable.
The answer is **2:35**
